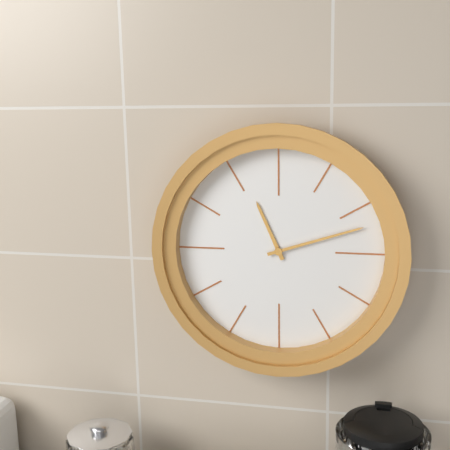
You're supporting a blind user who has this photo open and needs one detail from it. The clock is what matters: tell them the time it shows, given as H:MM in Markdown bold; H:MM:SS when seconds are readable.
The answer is **11:12**
